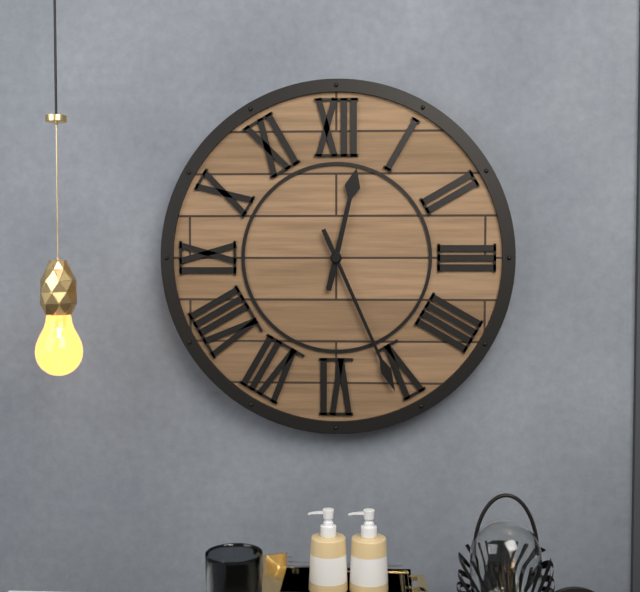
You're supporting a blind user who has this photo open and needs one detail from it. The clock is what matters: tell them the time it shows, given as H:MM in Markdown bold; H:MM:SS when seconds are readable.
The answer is **12:26**
